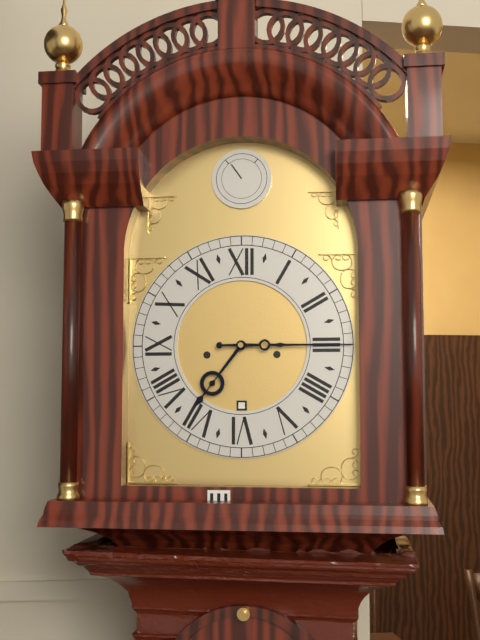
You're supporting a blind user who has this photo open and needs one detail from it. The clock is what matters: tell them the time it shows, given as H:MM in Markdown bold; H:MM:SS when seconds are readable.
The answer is **7:15**
